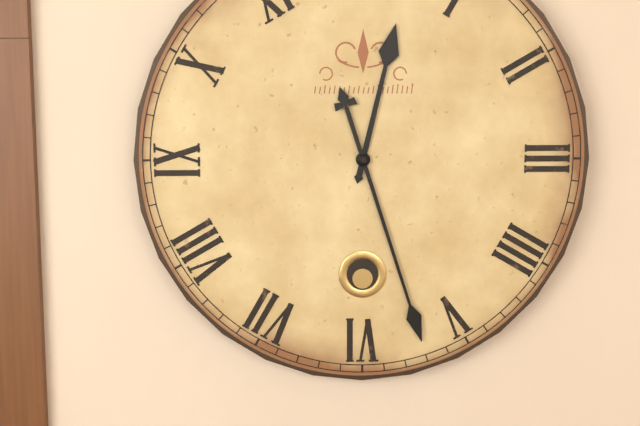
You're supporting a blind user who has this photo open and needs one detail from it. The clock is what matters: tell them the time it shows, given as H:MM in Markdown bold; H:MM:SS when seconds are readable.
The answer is **12:27**
